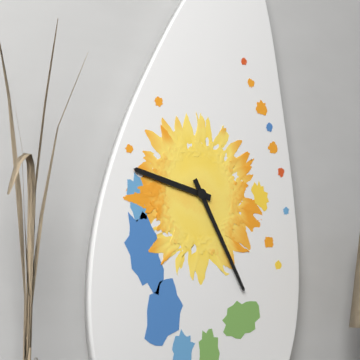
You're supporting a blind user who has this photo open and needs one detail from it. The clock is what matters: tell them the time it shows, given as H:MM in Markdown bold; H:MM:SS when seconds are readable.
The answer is **9:25**
